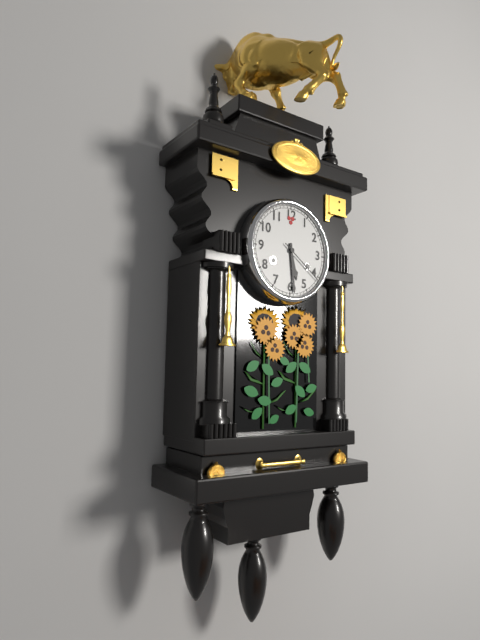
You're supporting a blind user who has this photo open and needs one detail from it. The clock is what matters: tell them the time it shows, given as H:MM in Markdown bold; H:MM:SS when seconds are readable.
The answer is **5:29:21**
